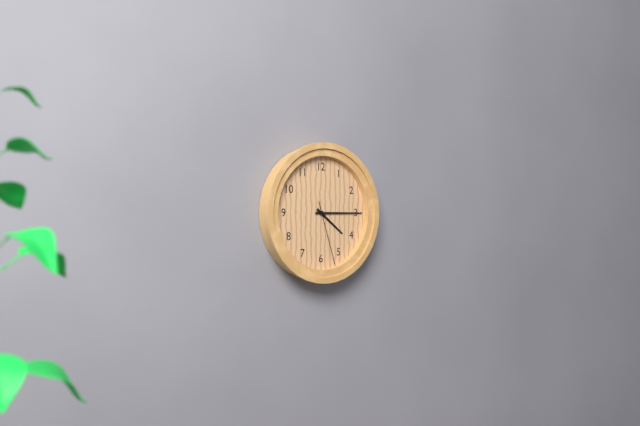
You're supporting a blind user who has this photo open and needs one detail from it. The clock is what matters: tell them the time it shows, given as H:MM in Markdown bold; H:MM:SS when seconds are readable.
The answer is **4:15:27**
